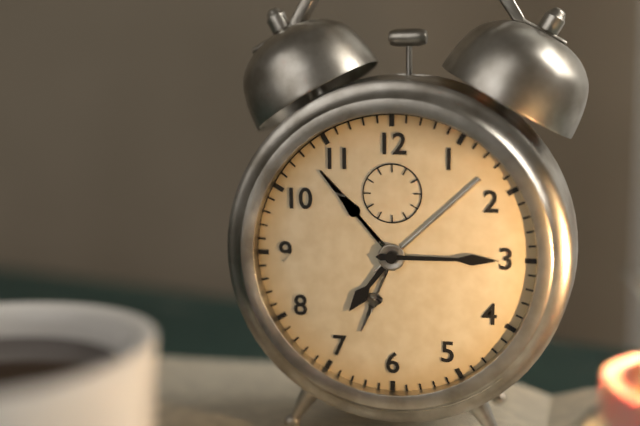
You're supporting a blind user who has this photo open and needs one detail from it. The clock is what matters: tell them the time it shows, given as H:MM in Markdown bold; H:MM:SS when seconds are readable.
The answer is **7:15**
